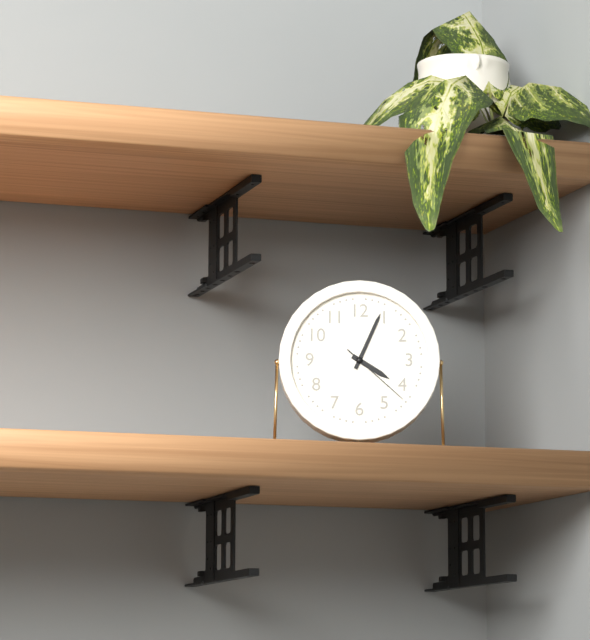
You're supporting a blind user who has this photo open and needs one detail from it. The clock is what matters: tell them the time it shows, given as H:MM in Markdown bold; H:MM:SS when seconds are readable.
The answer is **4:04:22**
